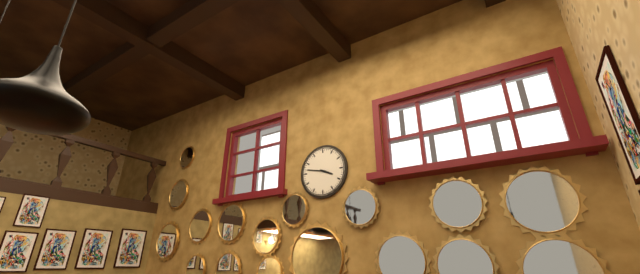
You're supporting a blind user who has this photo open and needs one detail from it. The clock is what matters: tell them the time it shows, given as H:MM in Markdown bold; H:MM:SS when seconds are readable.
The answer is **3:47**
